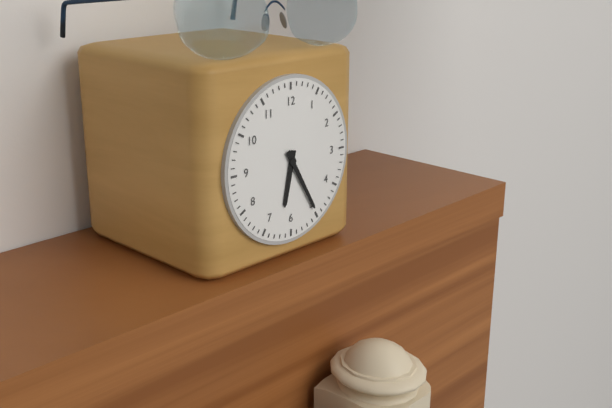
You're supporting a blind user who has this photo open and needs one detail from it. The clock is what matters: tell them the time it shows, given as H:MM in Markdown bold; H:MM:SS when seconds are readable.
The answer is **6:25**
